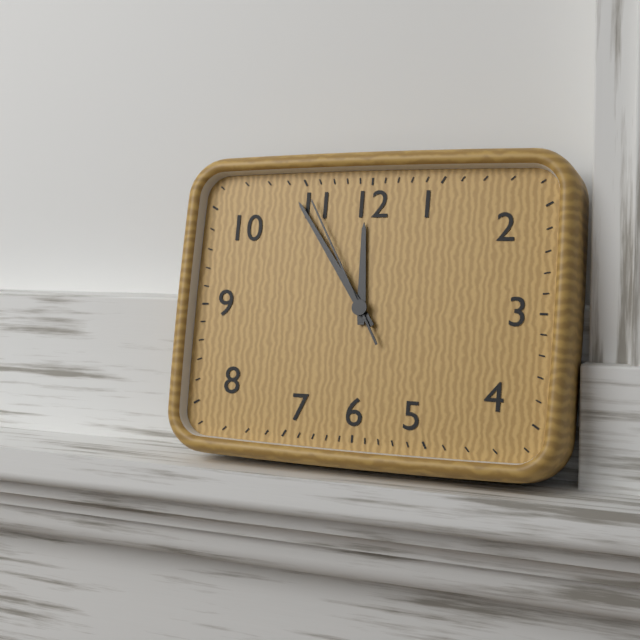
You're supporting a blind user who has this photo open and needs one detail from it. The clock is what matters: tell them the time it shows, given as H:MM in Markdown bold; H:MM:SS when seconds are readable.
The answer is **11:54:55**
